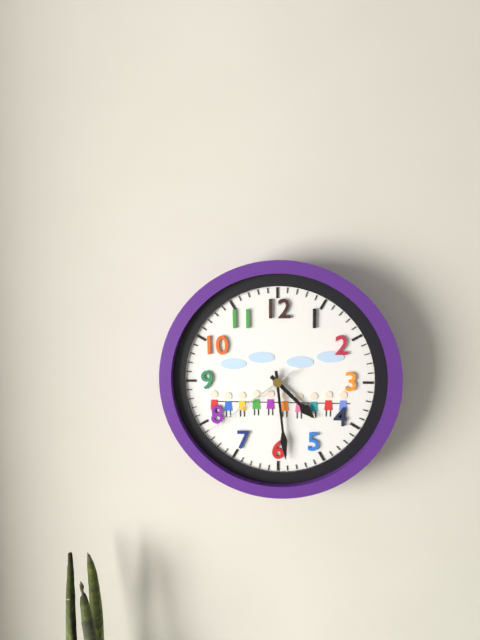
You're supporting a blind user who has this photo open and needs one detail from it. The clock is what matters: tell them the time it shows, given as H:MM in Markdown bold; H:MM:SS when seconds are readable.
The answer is **4:29:39**
